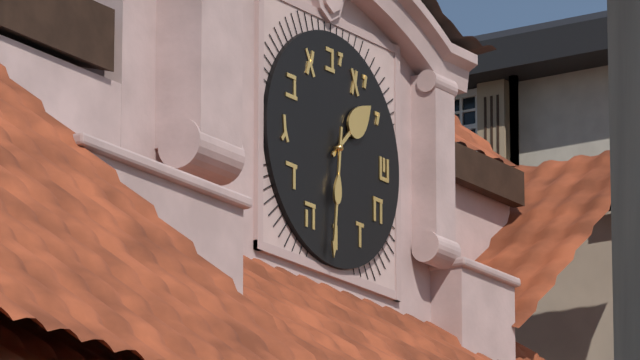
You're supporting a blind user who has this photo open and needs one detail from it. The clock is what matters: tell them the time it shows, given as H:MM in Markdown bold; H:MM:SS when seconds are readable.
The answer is **1:31**
